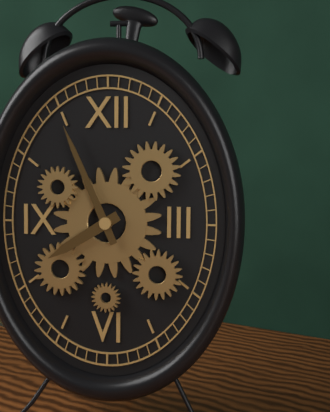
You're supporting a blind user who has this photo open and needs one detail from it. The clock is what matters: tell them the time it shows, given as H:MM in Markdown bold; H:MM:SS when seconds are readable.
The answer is **7:56**
